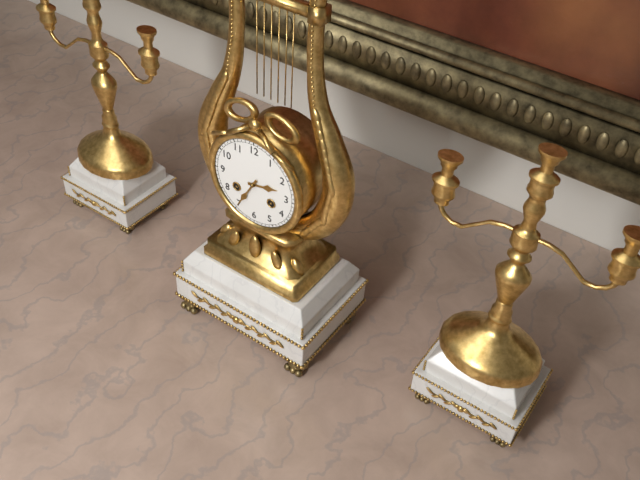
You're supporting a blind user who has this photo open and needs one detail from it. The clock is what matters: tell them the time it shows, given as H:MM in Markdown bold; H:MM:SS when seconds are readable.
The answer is **2:35**
